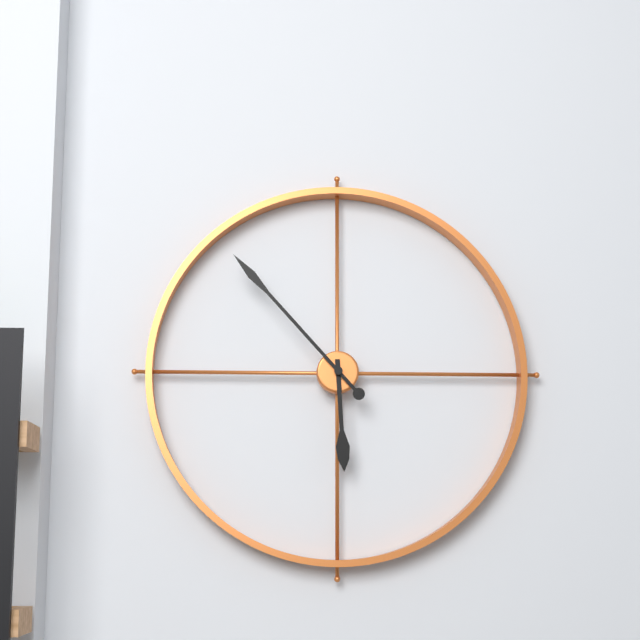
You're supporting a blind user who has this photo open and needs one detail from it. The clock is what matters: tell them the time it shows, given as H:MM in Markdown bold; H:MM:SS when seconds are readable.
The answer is **5:53**
